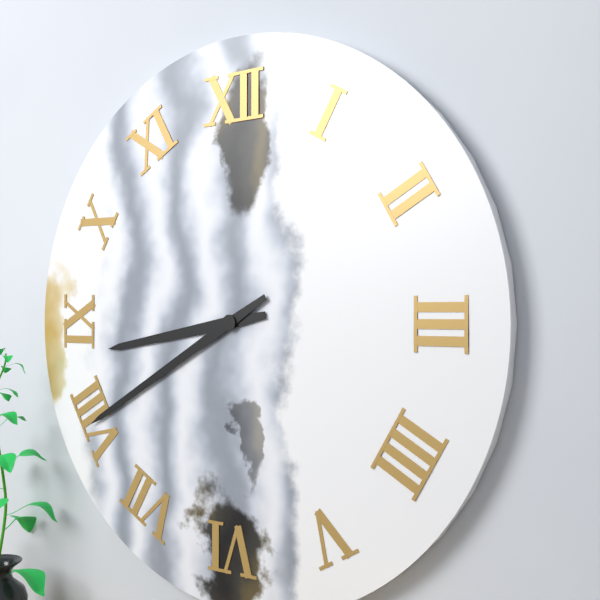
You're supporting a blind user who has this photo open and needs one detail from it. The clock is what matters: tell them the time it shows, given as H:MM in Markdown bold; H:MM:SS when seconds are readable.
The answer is **8:40**
